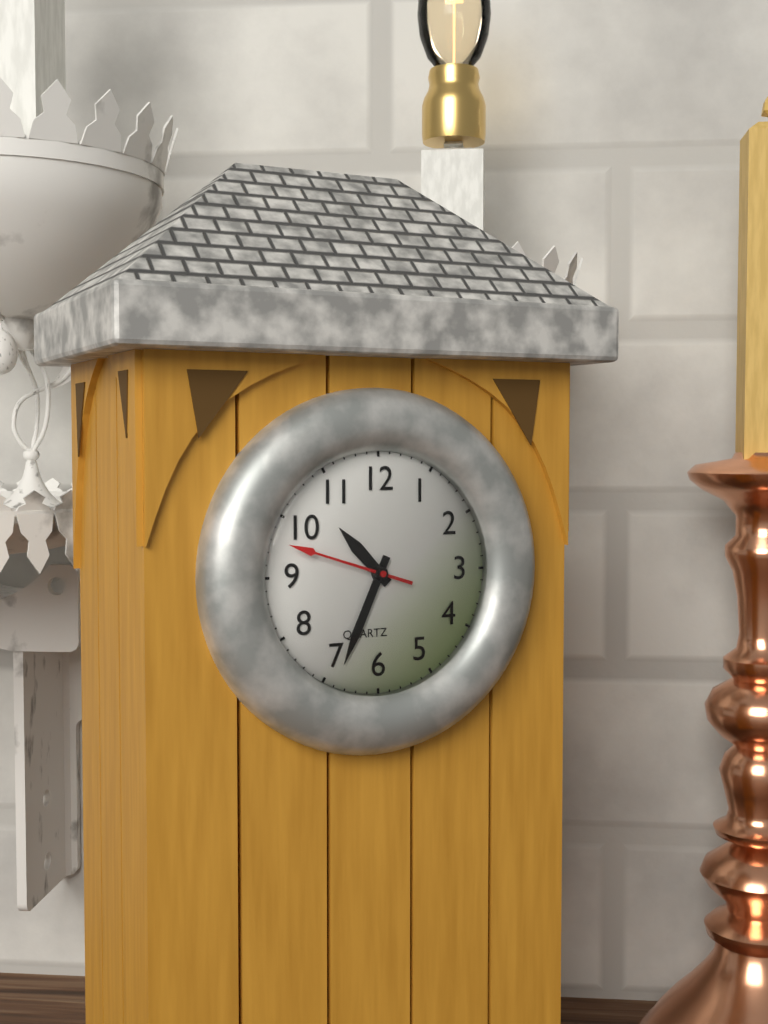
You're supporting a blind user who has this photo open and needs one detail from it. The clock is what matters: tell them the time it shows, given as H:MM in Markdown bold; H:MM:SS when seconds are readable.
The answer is **10:34:48**
